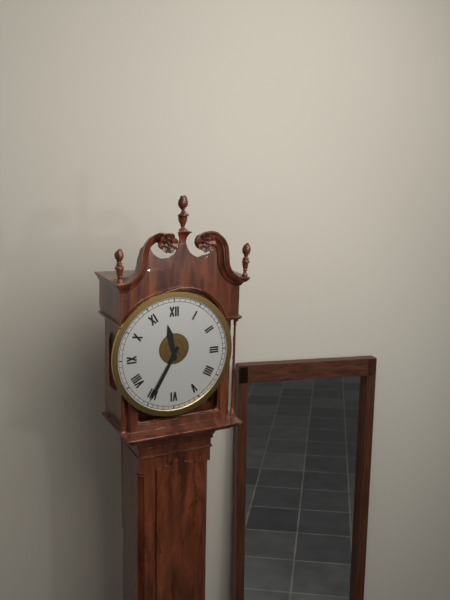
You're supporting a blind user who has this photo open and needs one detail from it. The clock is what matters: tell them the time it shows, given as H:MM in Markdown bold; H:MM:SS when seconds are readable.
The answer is **11:35**
